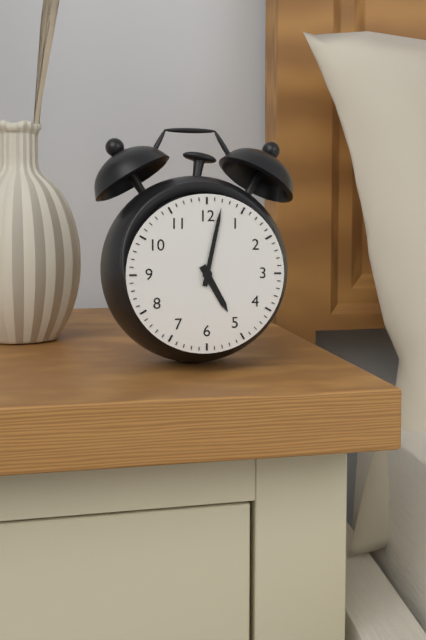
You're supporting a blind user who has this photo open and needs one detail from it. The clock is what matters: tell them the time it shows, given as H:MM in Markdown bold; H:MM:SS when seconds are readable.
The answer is **5:02**
